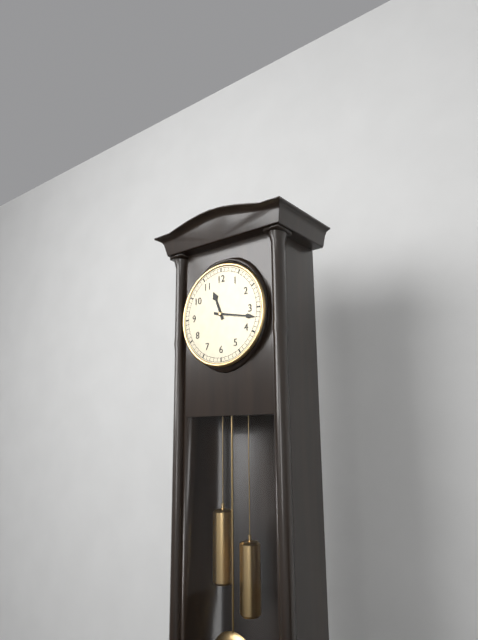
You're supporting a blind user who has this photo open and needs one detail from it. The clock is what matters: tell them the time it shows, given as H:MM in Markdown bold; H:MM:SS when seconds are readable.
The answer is **11:17**
